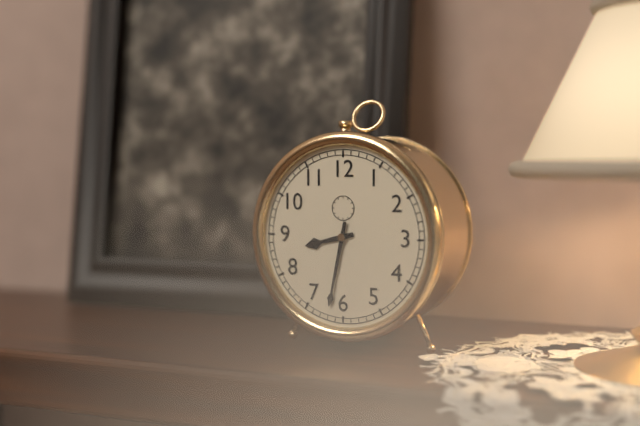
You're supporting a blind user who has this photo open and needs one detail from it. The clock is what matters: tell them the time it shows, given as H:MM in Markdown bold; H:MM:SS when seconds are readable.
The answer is **8:32**
